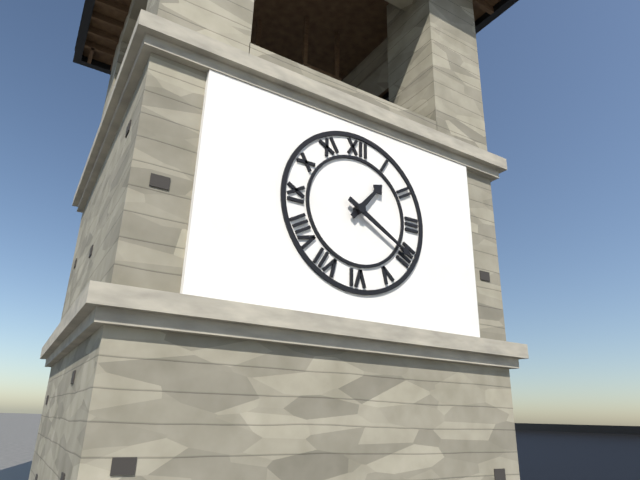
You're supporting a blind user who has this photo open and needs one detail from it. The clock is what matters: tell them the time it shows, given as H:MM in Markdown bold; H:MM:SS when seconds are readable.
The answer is **1:20**
